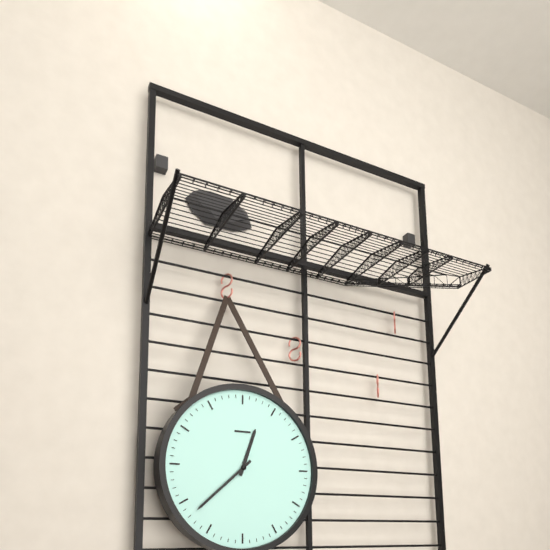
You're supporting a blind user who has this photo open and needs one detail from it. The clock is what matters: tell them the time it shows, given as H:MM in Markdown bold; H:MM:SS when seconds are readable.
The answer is **12:38**
